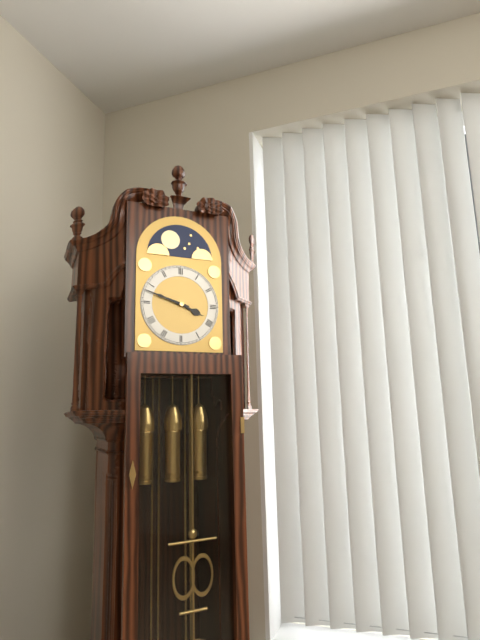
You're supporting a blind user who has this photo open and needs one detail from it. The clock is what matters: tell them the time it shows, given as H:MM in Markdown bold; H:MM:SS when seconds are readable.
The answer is **3:48**
